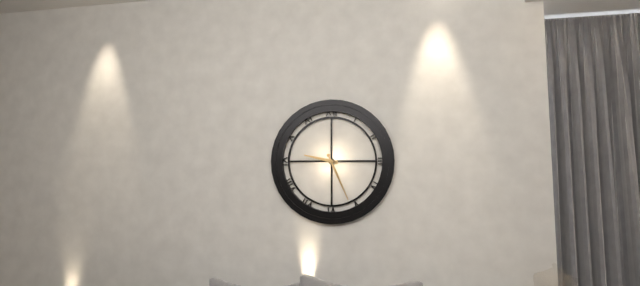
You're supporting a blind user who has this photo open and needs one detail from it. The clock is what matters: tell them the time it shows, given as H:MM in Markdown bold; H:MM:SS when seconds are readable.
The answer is **9:26**
